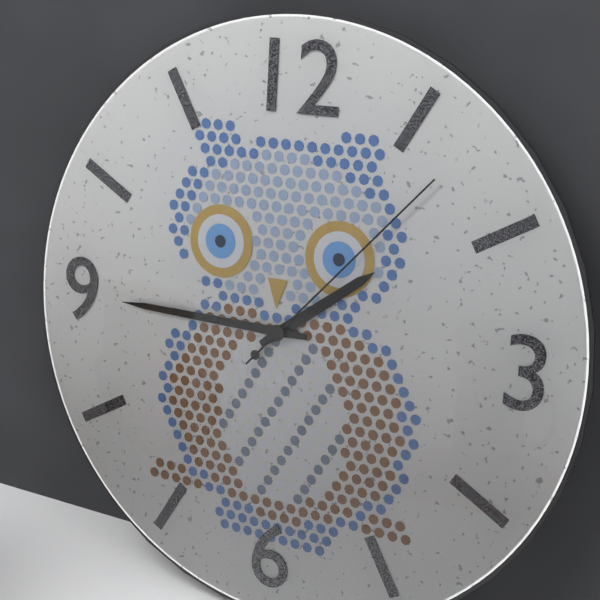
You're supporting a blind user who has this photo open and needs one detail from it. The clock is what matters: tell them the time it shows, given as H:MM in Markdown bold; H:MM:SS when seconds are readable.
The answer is **1:45:07**
